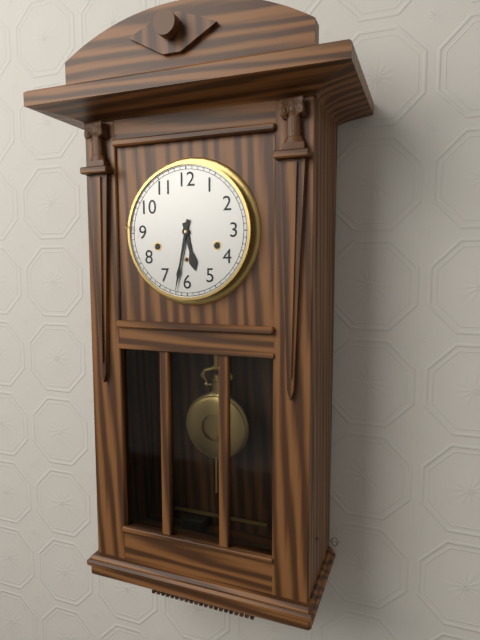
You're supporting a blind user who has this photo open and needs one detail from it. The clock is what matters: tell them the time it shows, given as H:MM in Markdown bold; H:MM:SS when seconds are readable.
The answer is **5:32**
